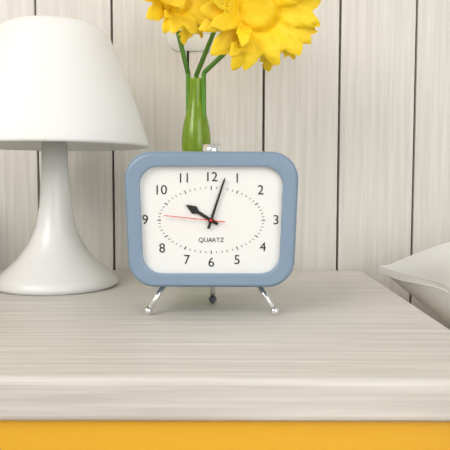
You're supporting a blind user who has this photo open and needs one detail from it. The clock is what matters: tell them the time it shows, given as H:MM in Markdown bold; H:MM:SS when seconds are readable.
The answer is **10:03:46**
